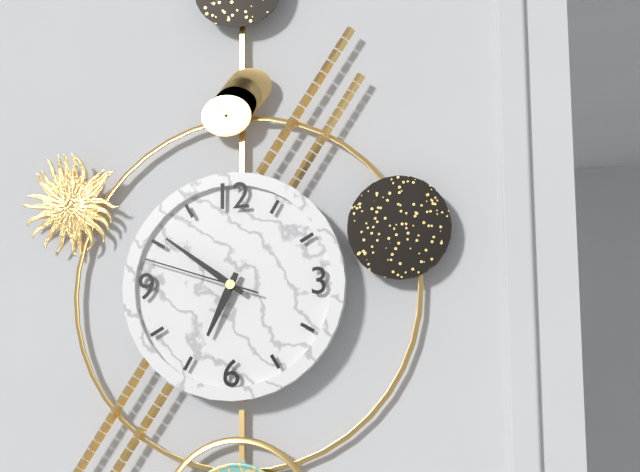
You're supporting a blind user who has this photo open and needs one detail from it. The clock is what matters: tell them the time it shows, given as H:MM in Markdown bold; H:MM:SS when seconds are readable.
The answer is **6:51:48**
